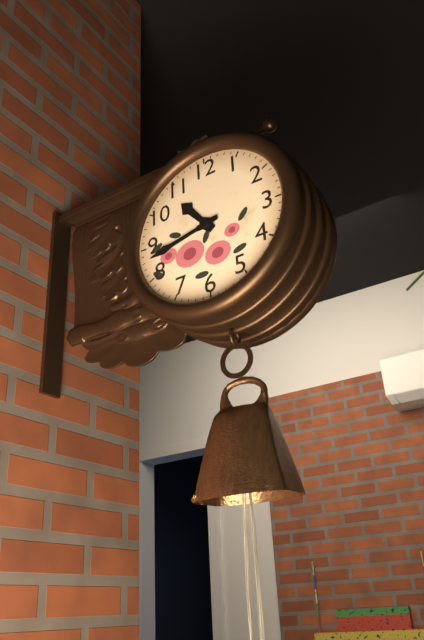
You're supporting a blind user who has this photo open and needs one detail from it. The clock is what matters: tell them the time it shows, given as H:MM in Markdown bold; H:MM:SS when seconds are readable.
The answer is **10:43**
